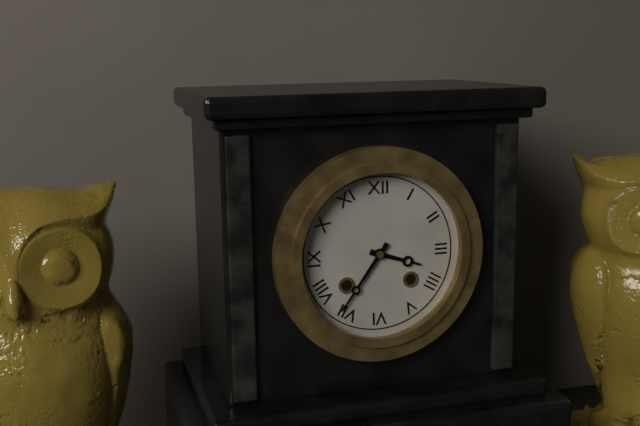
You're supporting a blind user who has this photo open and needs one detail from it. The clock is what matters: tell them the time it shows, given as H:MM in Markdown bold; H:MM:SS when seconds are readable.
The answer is **3:36**
